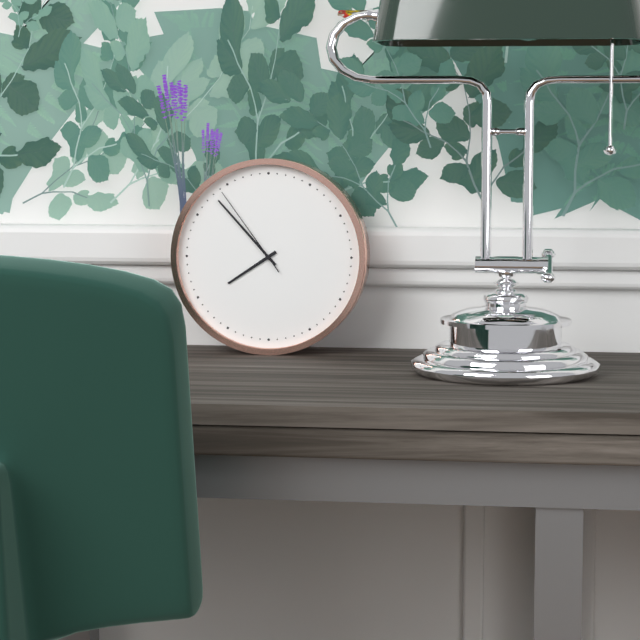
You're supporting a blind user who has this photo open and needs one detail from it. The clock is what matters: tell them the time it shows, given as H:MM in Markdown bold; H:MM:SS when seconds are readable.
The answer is **7:53:54**
